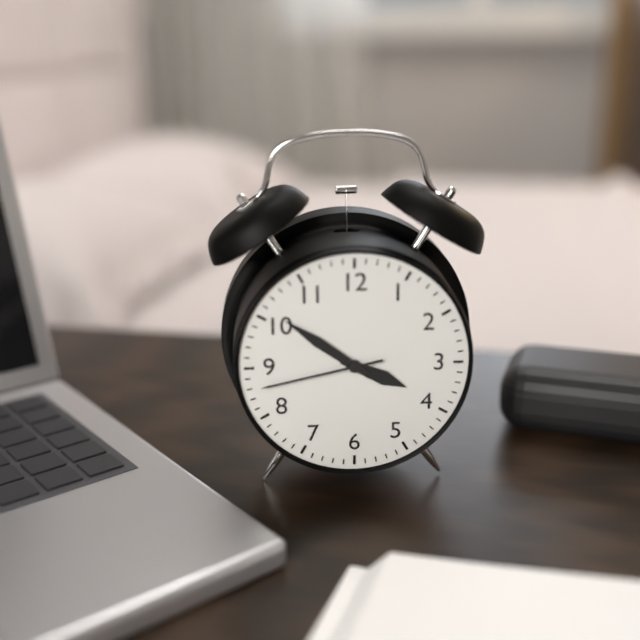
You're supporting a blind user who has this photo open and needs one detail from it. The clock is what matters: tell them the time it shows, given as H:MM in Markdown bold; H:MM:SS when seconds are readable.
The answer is **3:51:43**
